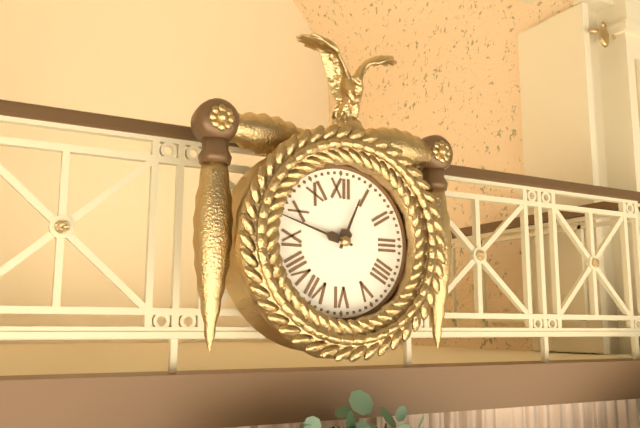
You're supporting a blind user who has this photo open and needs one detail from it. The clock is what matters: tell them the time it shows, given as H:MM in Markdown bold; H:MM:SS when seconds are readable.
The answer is **12:48**
